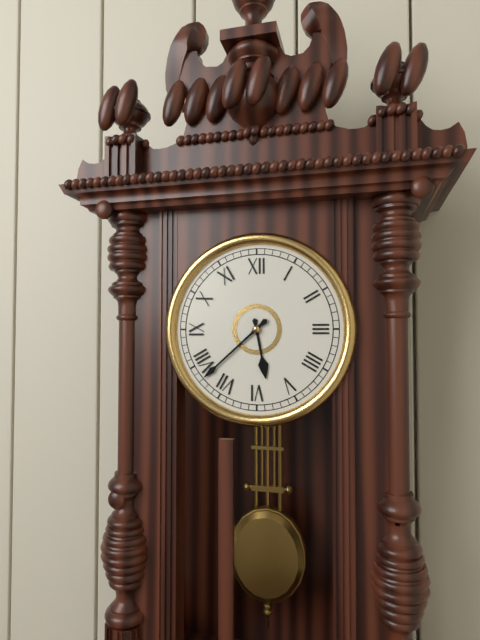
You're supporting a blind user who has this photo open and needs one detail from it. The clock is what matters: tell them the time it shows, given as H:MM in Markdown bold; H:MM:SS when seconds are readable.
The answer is **5:38**
